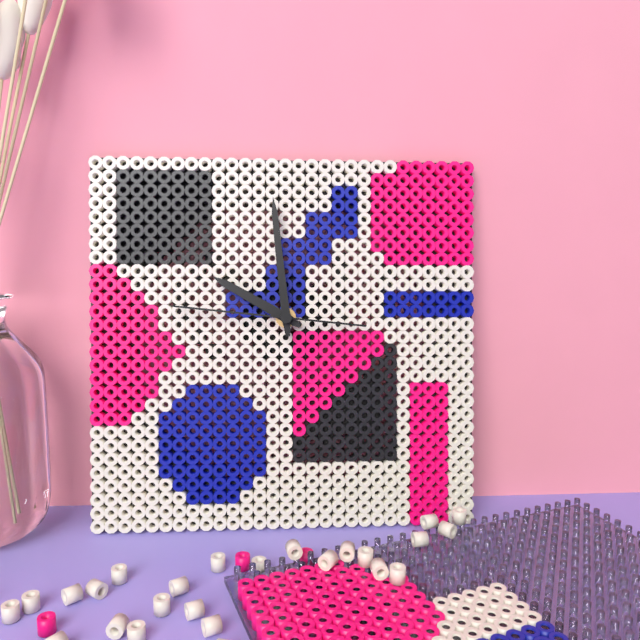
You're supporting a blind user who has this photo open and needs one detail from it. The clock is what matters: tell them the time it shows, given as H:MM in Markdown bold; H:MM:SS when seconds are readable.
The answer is **9:59:46**
